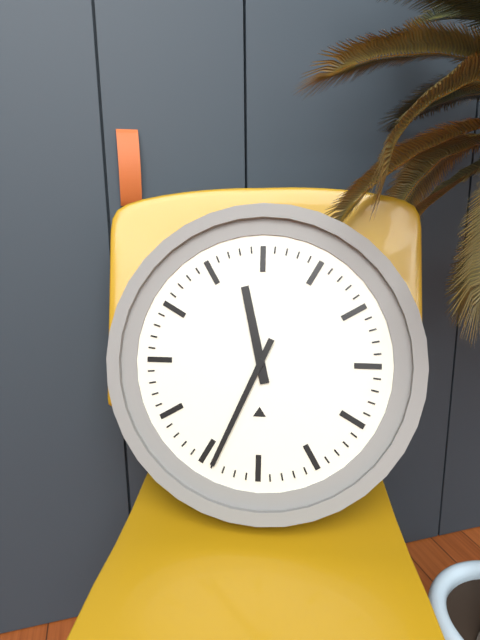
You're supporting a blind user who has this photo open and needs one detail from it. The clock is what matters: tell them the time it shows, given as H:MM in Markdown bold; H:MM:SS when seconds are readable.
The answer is **11:34**
